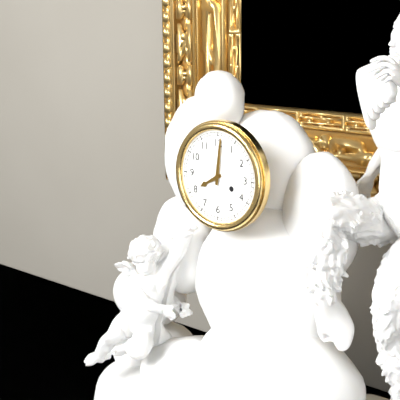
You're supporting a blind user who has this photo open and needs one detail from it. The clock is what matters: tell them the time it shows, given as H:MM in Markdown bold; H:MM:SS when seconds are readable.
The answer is **8:01**
